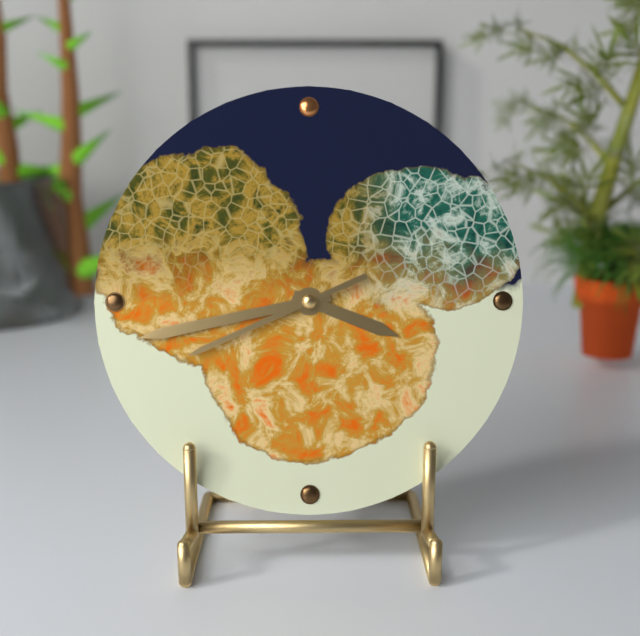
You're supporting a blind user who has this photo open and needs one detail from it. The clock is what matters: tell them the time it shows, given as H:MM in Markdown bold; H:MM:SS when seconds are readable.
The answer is **3:43:41**
